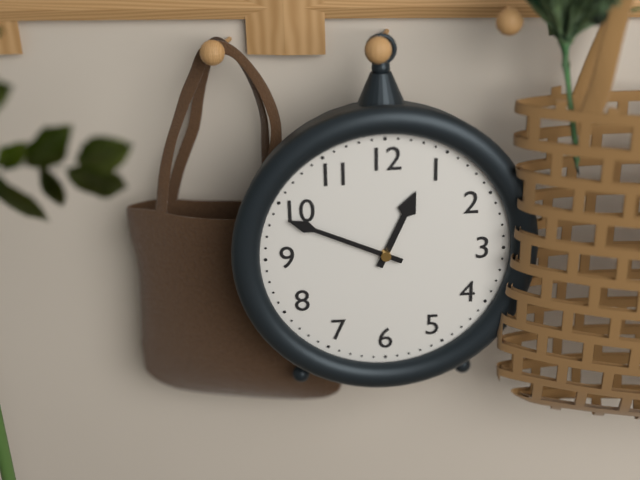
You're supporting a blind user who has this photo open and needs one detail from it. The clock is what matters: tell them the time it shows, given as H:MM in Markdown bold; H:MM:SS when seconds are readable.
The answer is **12:49**
